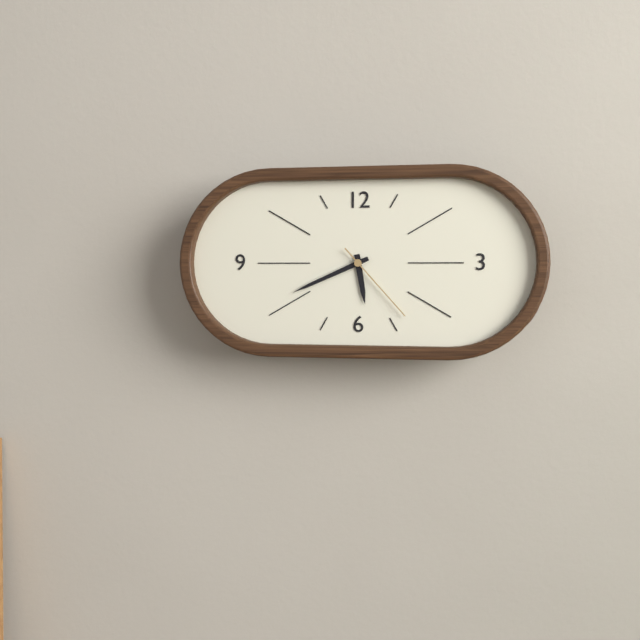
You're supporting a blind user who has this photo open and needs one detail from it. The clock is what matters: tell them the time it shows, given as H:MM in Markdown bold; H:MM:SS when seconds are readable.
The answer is **5:41:23**
